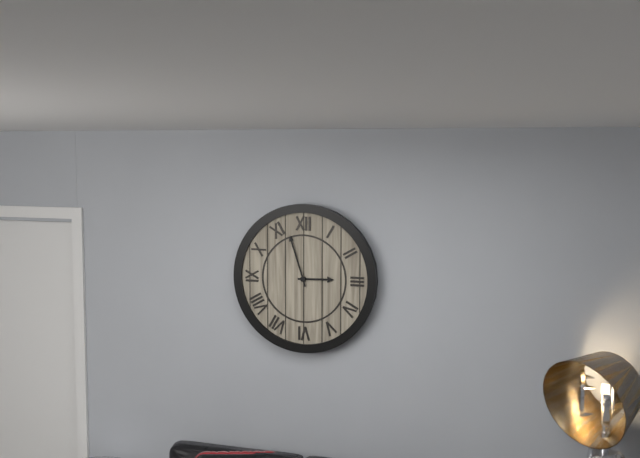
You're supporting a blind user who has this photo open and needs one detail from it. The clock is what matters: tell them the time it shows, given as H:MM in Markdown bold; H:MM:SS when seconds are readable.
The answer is **2:57**
